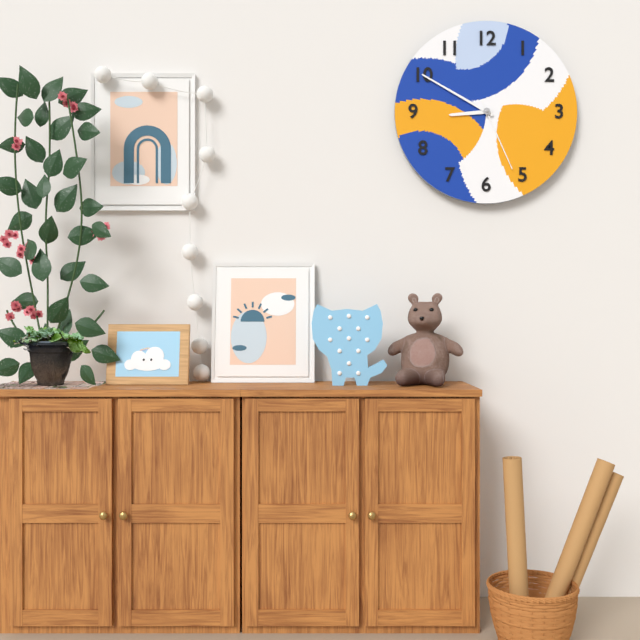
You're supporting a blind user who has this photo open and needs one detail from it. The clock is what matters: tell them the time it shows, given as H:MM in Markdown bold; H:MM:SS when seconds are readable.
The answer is **8:50:26**
